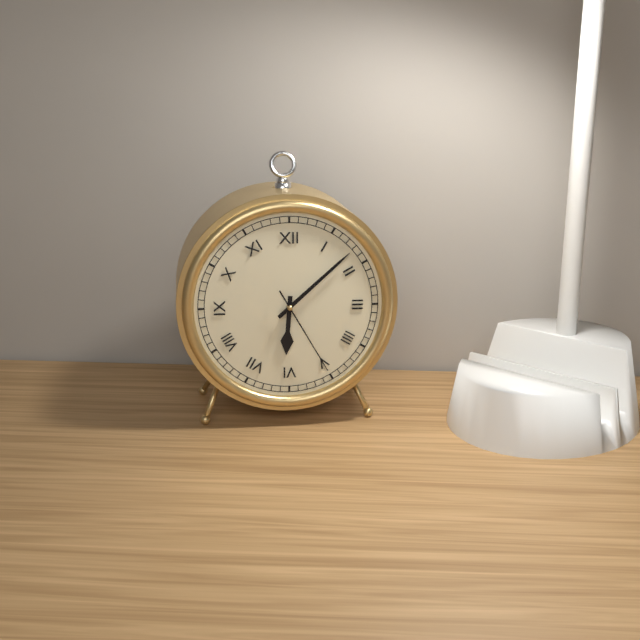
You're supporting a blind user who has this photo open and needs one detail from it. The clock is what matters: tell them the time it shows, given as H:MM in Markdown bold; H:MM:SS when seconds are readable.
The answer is **6:08:25**
